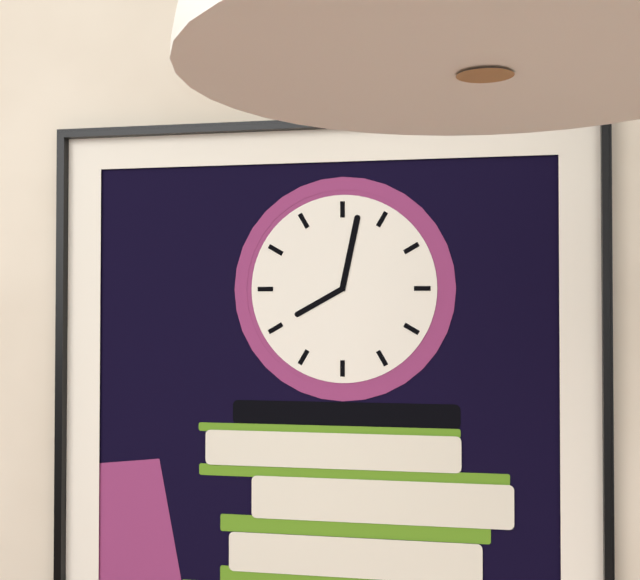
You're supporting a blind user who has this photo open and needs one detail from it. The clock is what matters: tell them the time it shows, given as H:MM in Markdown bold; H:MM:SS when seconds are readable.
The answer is **8:02**
